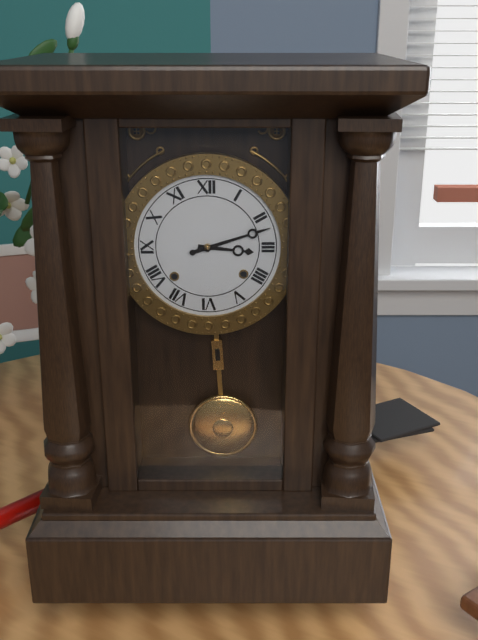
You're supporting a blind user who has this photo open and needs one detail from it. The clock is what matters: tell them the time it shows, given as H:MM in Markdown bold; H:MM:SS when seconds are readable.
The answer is **3:12**
